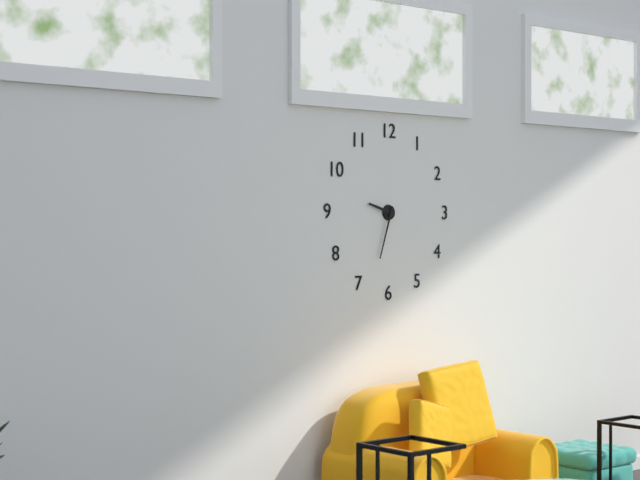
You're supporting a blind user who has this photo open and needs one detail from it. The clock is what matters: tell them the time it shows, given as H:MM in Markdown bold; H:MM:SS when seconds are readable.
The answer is **9:33**
